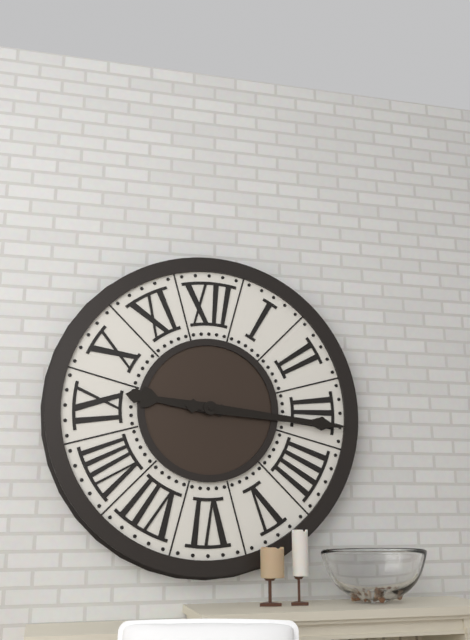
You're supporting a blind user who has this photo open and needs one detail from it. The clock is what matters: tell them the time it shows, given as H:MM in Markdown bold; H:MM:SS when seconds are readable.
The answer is **9:16**
